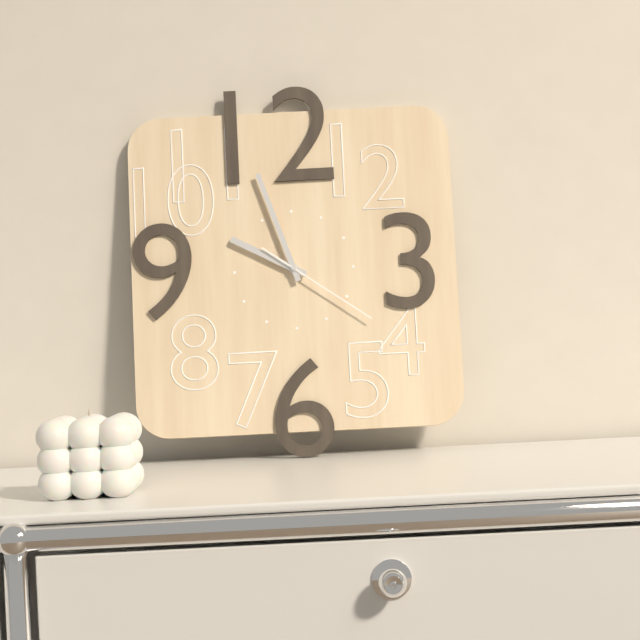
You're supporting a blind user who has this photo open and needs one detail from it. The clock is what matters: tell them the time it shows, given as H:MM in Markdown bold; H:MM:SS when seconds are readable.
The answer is **9:57:21**
